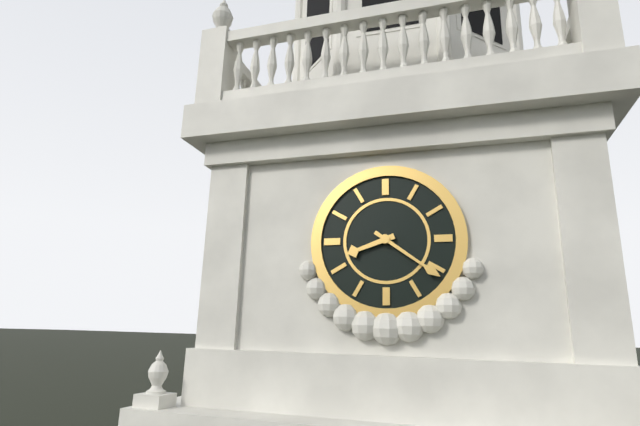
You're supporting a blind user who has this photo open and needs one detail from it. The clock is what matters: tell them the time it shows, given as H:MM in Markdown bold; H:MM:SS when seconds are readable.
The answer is **8:21**
